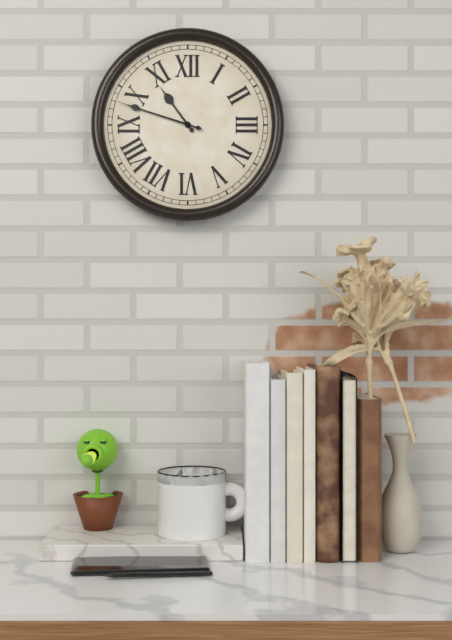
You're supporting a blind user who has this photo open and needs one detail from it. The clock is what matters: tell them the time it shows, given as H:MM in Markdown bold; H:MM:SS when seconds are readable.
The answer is **10:48:48**
